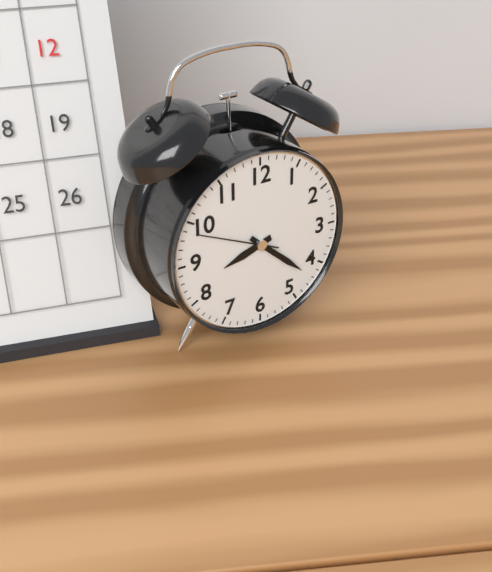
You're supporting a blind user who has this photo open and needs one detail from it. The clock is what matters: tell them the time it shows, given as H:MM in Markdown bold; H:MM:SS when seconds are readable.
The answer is **8:22:49**
